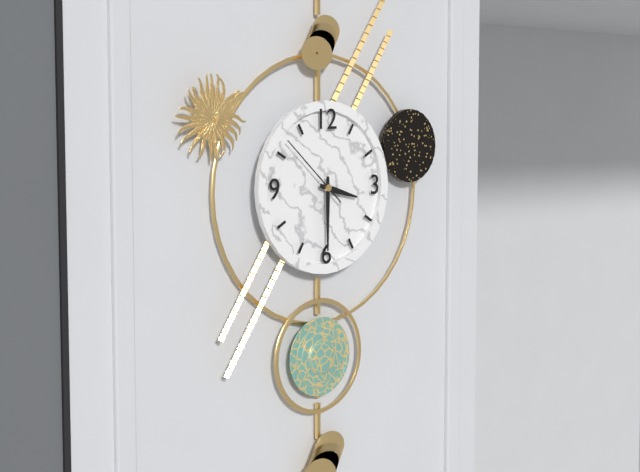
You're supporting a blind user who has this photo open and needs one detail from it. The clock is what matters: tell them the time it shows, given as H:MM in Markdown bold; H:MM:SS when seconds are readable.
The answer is **3:30:52**
